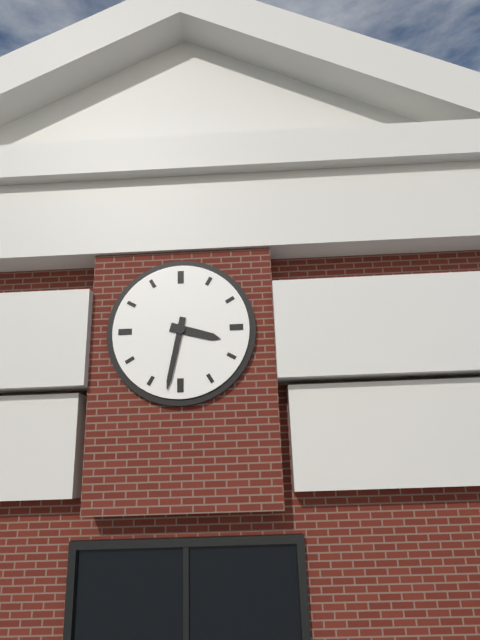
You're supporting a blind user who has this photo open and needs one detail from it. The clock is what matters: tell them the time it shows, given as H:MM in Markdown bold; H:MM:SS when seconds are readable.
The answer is **3:32**
